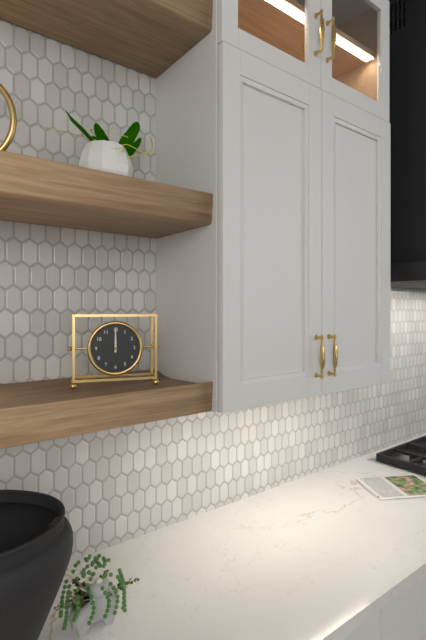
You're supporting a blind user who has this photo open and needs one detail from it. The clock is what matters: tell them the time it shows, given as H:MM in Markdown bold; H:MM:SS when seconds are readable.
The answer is **12:00**
